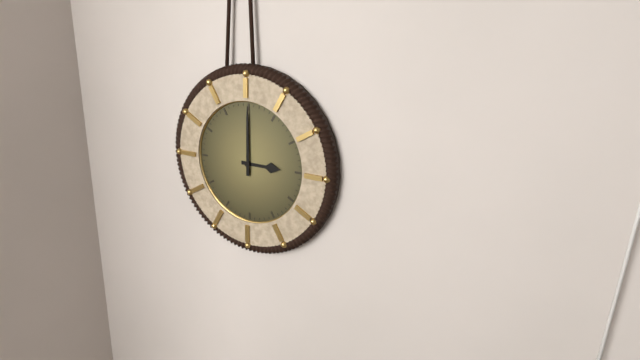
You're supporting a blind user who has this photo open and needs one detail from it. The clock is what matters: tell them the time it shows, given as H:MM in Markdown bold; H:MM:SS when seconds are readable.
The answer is **3:00**
